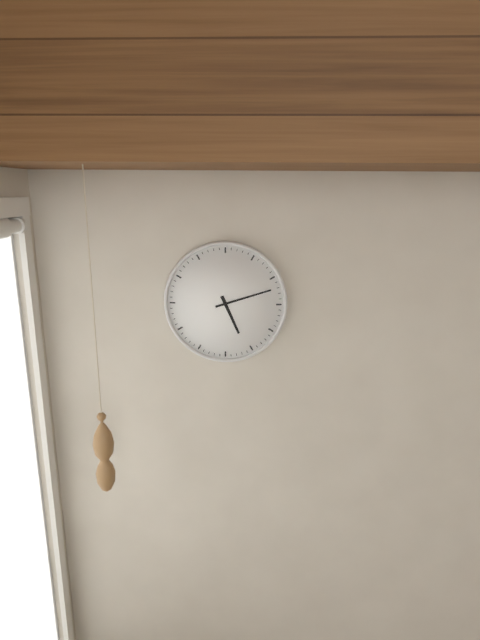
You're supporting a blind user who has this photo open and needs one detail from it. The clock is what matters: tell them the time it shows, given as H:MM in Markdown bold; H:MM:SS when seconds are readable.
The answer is **5:12**
